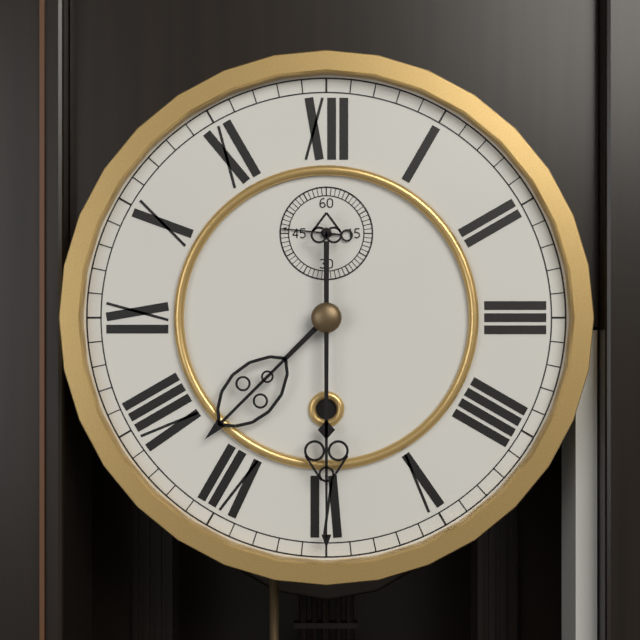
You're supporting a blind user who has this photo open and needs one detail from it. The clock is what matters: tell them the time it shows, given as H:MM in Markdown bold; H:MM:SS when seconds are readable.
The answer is **7:30:46**
